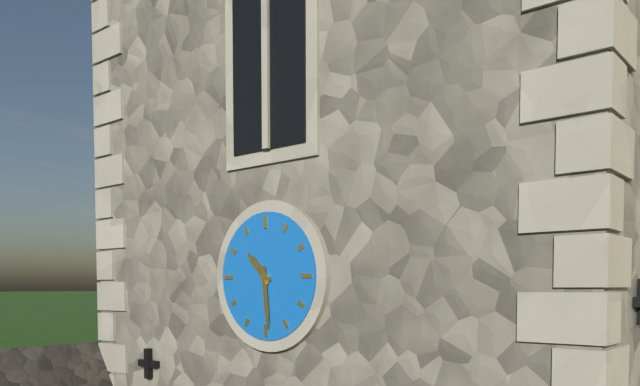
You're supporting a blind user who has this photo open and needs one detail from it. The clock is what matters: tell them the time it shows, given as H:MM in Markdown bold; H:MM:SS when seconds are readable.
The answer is **10:29**
